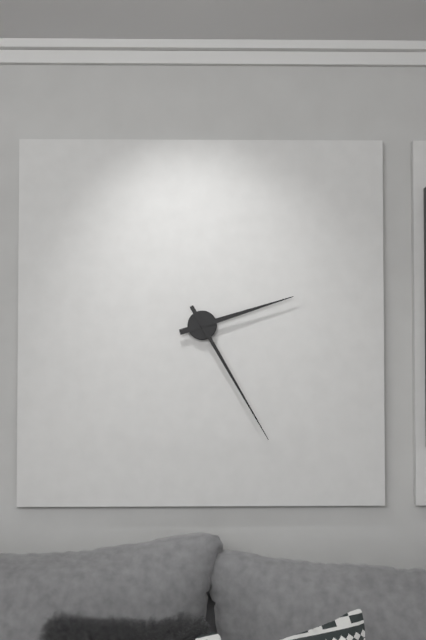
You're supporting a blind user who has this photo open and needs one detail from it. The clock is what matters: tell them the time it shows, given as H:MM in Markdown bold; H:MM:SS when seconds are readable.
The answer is **2:25**
